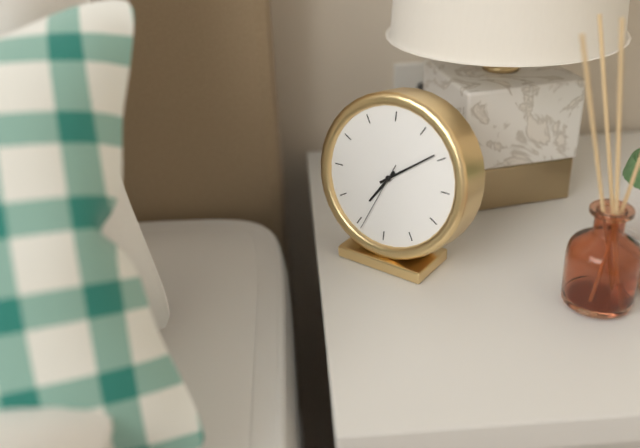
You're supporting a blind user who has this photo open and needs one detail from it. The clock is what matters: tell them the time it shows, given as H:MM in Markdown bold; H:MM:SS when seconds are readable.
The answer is **7:09:34**
